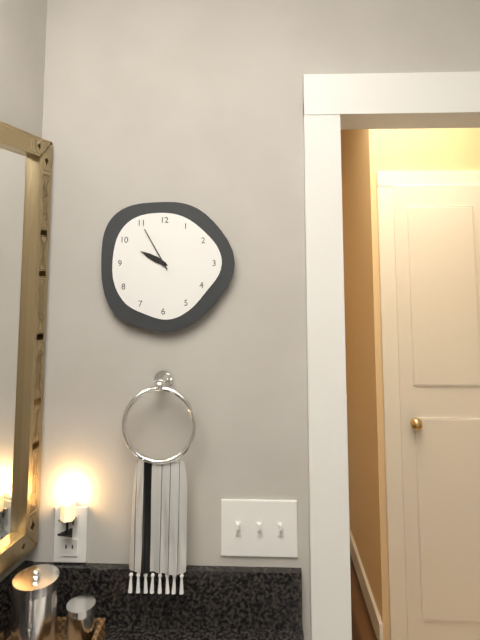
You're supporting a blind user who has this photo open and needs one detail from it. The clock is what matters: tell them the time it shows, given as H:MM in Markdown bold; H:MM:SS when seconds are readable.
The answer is **9:55**
